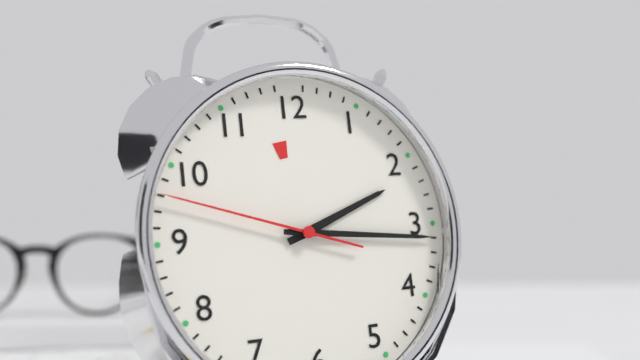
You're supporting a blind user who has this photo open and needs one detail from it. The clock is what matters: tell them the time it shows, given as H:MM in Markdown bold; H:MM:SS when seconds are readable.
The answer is **2:16:48**
